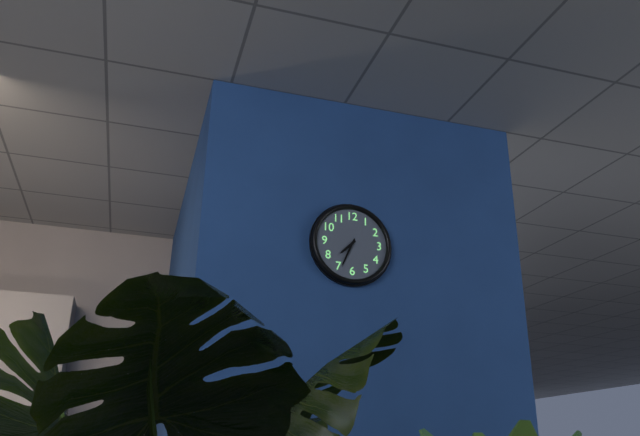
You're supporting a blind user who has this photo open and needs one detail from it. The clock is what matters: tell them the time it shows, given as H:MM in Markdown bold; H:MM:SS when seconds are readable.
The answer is **7:34**
